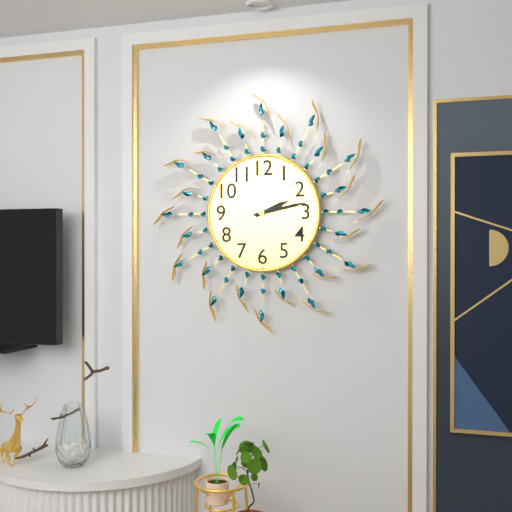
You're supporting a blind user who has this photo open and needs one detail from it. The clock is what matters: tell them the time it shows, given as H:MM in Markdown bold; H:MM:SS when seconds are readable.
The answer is **2:13**
